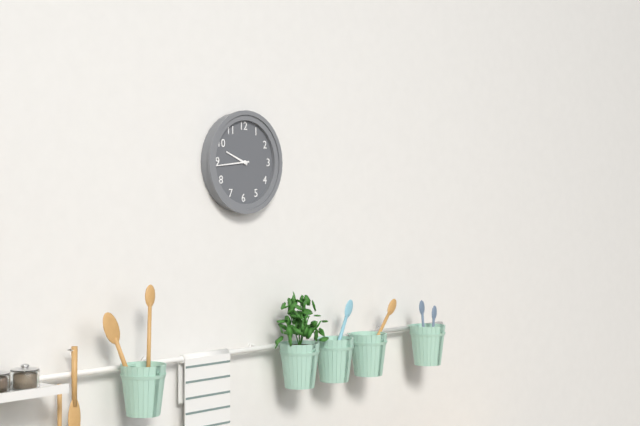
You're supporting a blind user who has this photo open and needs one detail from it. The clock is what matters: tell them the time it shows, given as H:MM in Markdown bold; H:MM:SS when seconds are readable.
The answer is **9:44**
